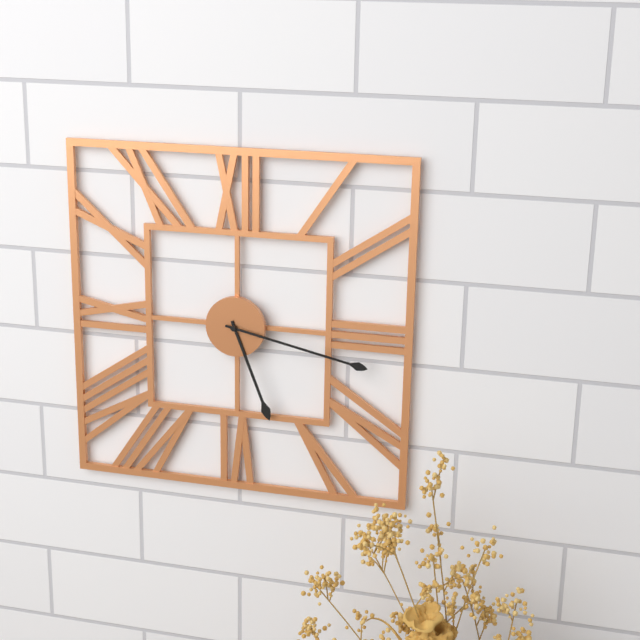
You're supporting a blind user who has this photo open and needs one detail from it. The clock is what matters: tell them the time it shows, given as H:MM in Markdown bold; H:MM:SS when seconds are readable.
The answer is **5:17**
